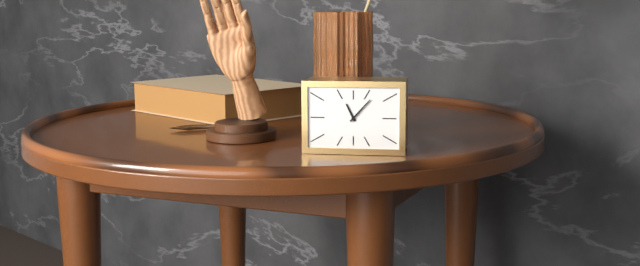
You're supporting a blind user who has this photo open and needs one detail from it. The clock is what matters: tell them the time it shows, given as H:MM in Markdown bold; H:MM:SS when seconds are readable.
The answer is **11:07**
